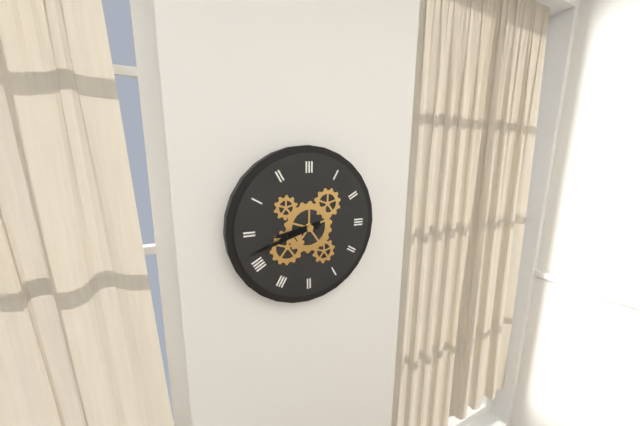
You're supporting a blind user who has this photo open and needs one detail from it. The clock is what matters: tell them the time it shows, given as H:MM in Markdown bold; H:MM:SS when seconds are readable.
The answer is **8:42**
